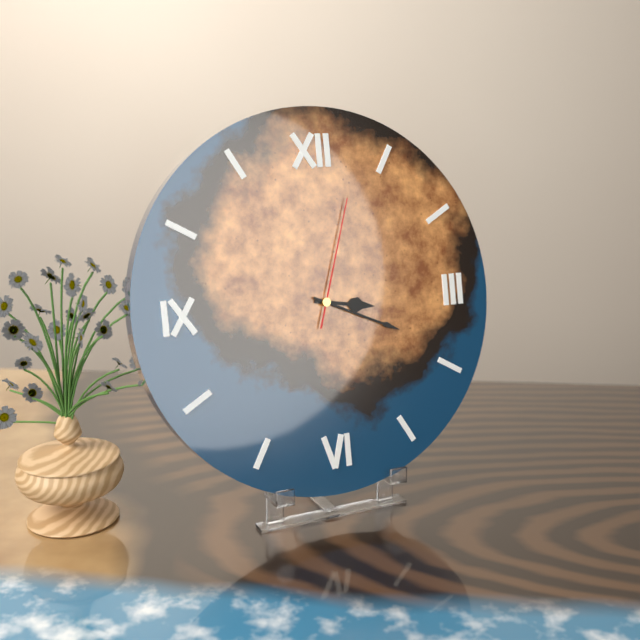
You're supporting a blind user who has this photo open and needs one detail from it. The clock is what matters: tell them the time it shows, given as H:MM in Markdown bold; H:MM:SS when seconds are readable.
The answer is **3:19:03**
